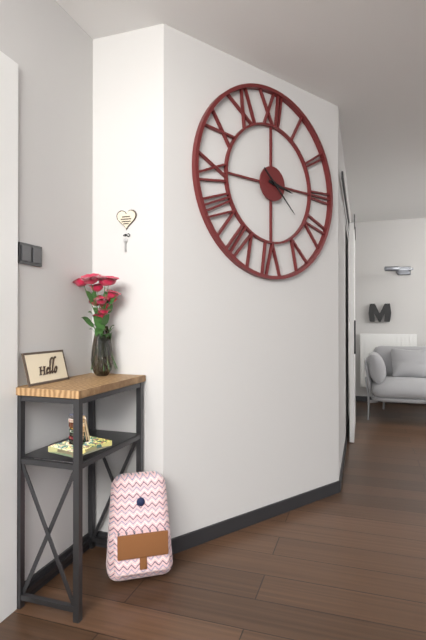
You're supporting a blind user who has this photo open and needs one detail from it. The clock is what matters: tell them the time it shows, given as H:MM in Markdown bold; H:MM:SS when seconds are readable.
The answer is **3:22**
